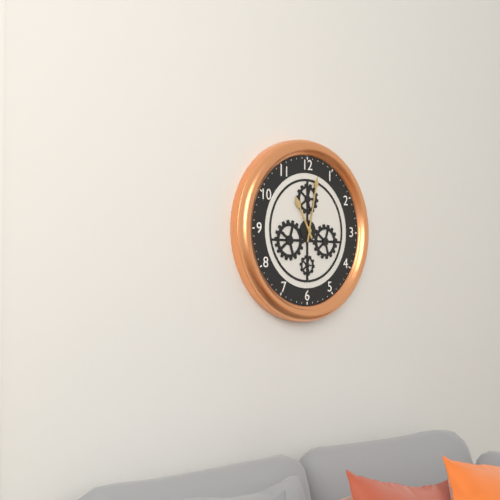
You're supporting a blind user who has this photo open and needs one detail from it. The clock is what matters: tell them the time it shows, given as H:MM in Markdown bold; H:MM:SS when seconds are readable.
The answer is **11:02**
